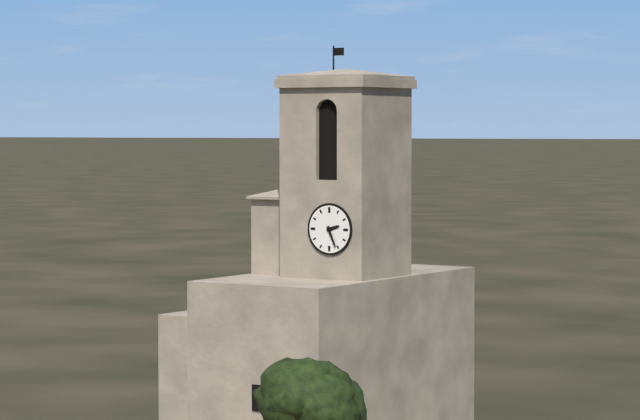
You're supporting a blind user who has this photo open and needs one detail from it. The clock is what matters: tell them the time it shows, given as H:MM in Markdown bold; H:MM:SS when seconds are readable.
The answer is **2:26**
